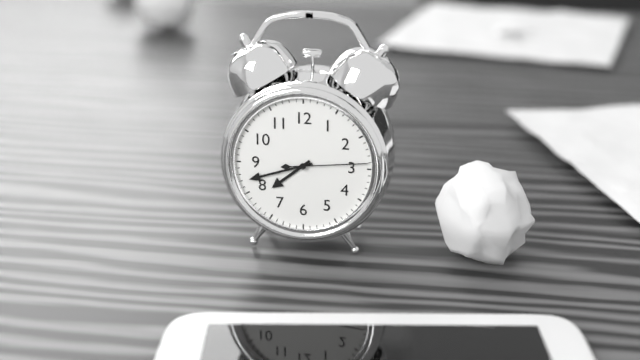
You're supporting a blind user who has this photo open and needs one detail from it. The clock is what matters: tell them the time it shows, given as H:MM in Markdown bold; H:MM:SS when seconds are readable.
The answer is **7:42:14**
